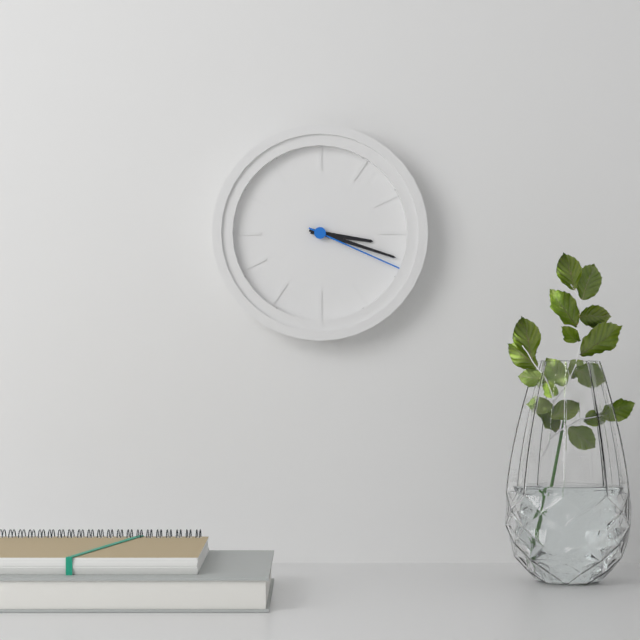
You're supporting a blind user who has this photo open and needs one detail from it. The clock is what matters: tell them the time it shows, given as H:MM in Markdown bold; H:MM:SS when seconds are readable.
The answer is **3:18:19**
